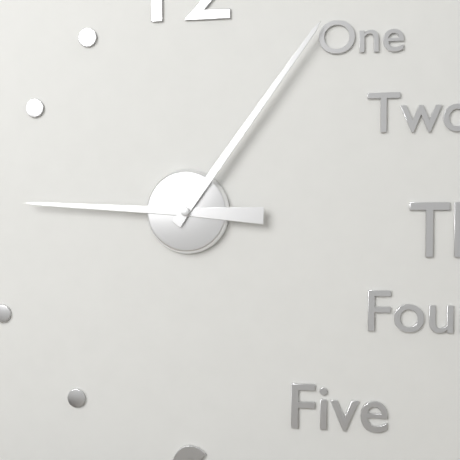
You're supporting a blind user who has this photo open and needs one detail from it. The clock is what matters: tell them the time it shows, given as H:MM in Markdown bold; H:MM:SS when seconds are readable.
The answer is **9:06**
